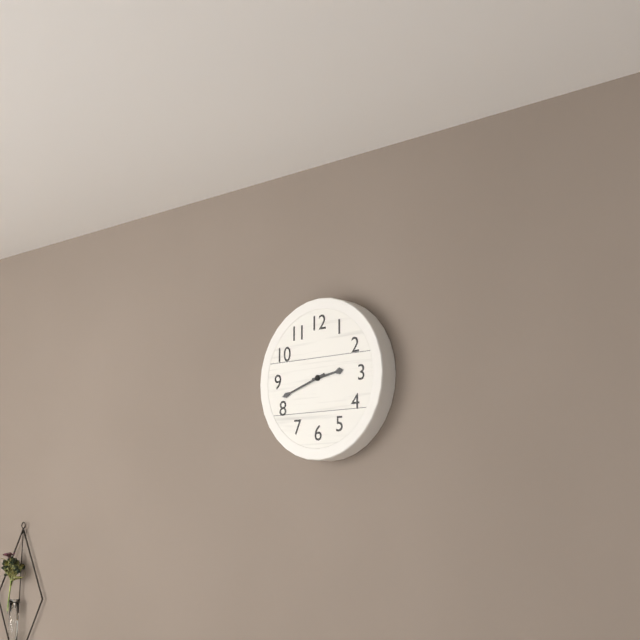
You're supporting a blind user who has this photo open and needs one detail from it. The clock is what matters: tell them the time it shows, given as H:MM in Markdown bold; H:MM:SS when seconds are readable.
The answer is **2:42**
